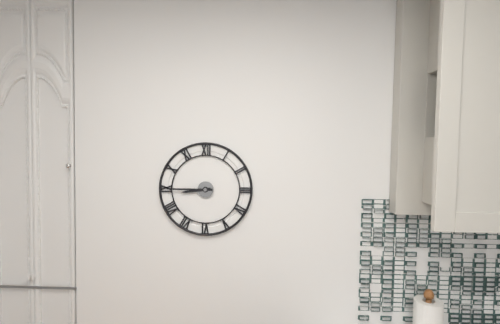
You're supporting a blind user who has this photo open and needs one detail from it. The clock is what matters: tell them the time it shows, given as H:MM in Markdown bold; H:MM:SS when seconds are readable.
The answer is **8:45**
